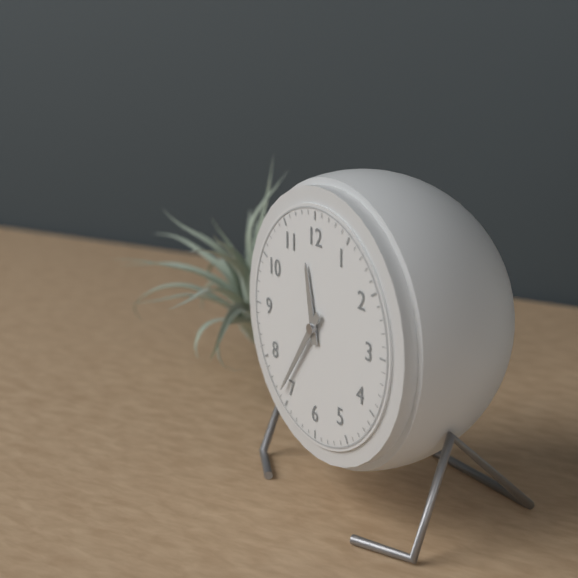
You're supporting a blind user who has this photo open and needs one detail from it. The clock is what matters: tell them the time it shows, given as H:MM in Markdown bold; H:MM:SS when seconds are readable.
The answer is **11:36**
